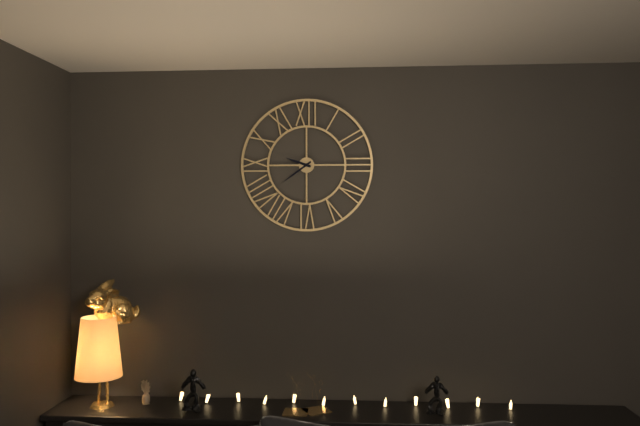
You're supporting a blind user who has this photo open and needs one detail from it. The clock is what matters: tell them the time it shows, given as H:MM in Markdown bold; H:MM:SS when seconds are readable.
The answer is **9:39**
